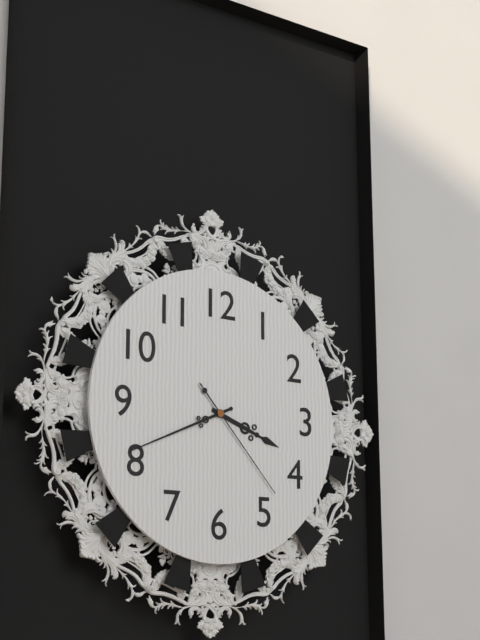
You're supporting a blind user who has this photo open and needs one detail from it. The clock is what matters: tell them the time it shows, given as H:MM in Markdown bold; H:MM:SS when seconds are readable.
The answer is **3:41:23**
